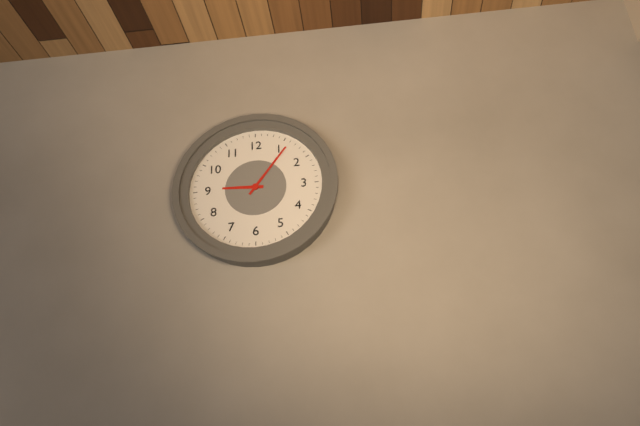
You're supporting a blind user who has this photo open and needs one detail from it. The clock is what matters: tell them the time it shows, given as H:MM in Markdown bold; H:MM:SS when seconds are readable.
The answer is **9:06**
